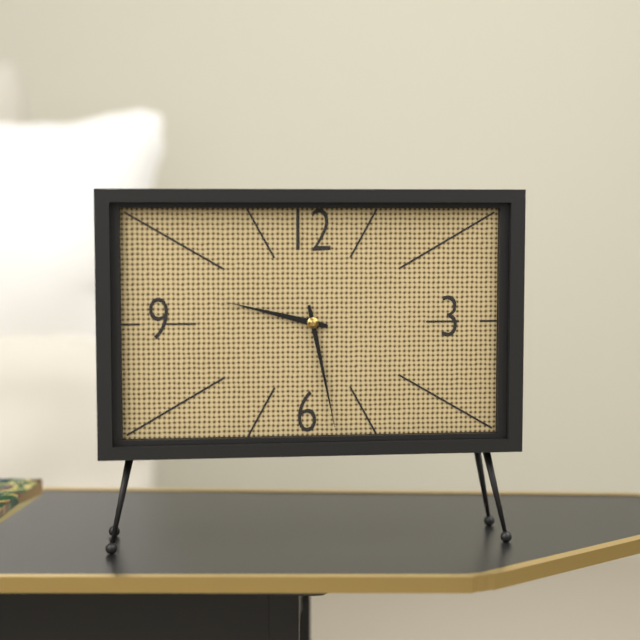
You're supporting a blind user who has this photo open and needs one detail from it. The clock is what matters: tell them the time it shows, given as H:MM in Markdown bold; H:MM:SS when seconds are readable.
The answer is **9:28**
